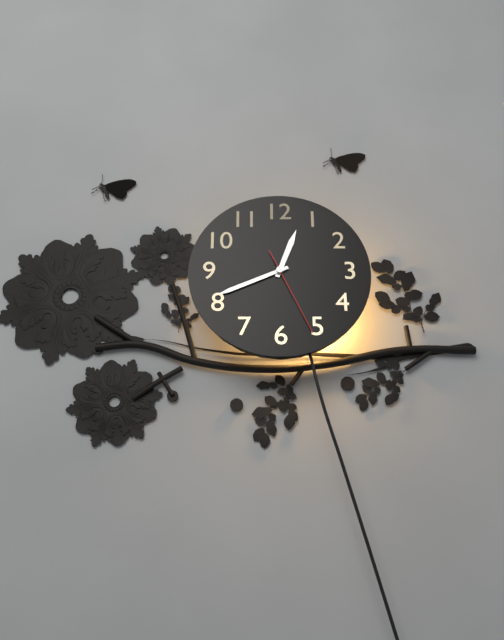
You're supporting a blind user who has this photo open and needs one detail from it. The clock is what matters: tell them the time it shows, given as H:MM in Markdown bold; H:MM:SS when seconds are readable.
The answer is **12:41:26**
